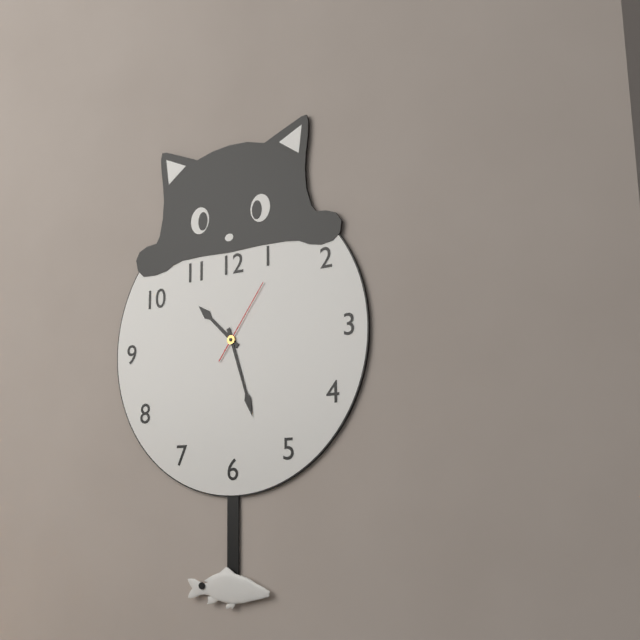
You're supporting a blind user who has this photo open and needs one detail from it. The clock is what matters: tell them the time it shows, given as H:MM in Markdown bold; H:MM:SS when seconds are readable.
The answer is **10:27:06**
